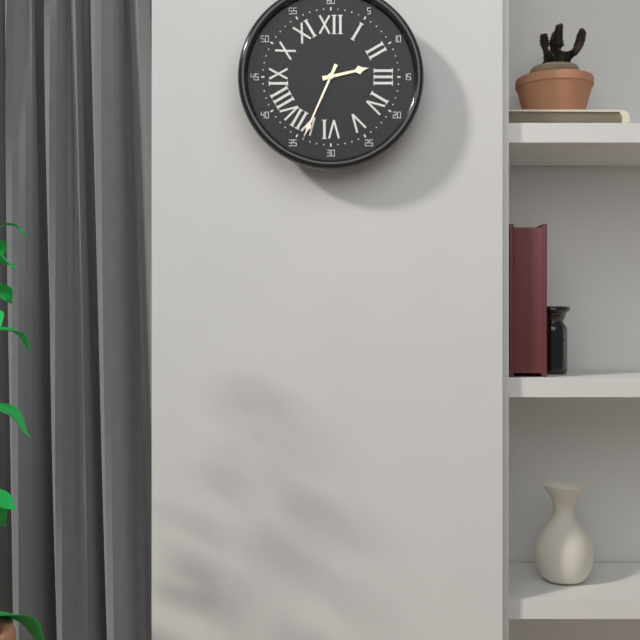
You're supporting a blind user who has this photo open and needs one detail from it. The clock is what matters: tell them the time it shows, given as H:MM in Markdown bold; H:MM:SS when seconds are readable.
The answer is **2:34**
